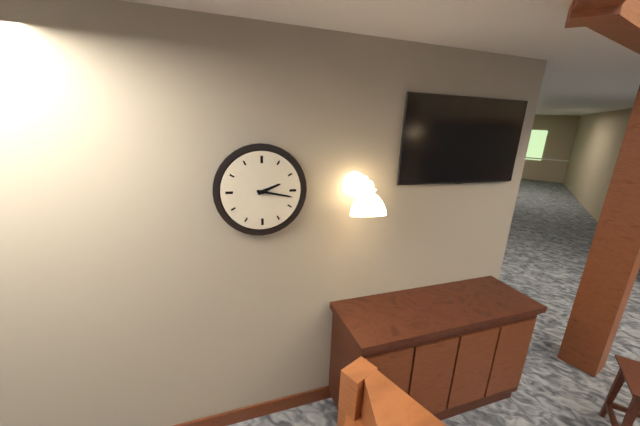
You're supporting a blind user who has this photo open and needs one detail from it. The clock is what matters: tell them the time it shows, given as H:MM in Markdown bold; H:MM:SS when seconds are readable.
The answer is **2:17**
